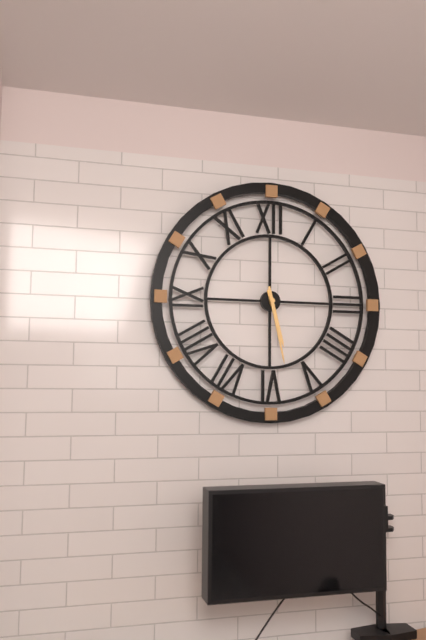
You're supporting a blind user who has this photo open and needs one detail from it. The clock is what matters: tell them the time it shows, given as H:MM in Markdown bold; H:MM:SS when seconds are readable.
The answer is **5:28**
